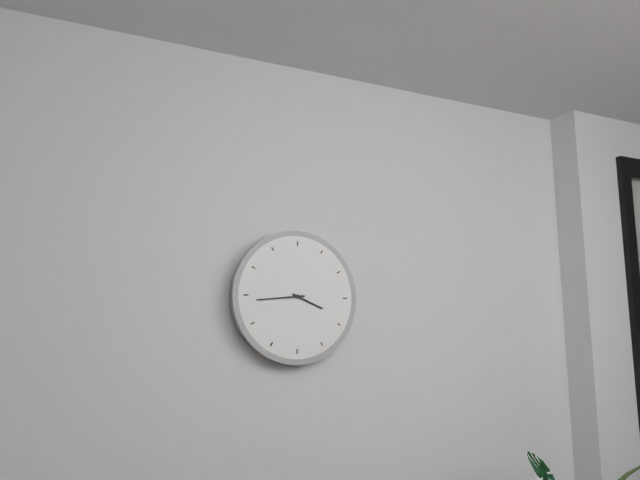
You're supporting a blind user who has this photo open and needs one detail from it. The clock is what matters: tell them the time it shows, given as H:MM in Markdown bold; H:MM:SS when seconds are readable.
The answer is **3:44**
